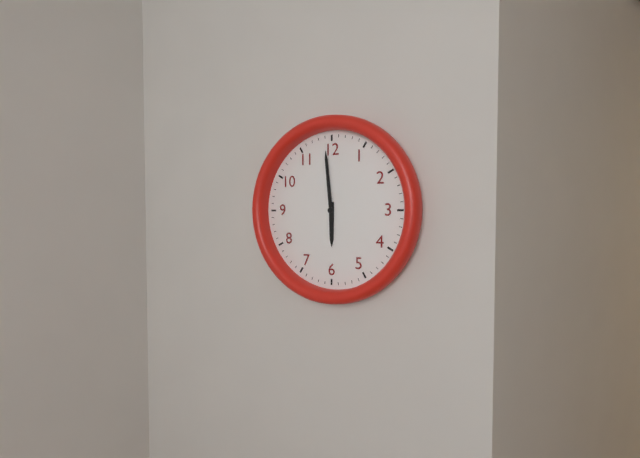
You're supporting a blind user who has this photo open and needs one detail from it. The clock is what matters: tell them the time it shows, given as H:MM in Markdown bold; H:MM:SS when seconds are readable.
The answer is **5:59**
